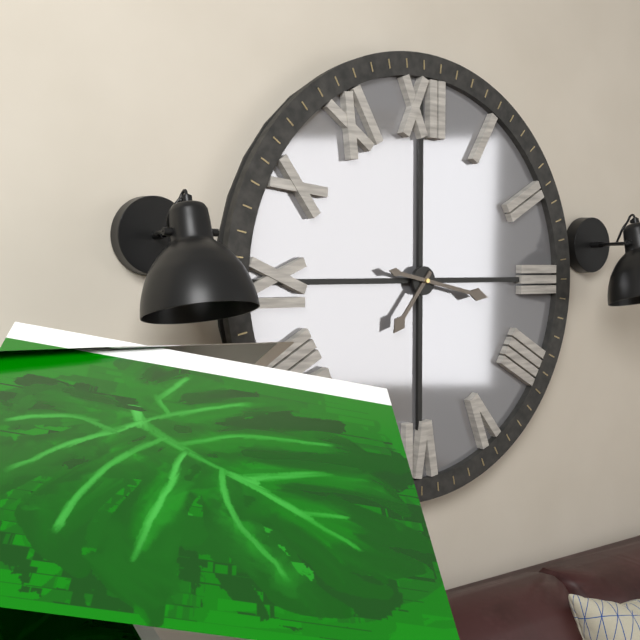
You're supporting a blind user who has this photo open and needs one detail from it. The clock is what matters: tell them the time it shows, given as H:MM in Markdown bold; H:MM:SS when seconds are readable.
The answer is **7:17**
